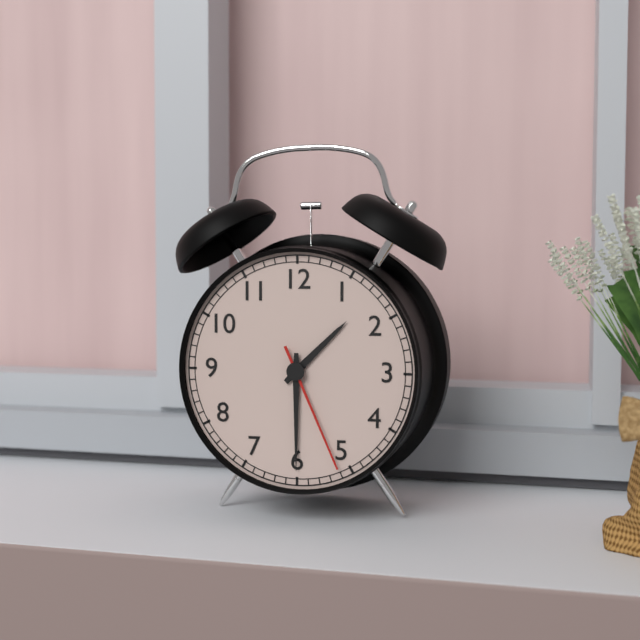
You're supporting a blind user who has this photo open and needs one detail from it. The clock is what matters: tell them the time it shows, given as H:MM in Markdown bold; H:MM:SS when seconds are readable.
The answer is **1:30:26**
